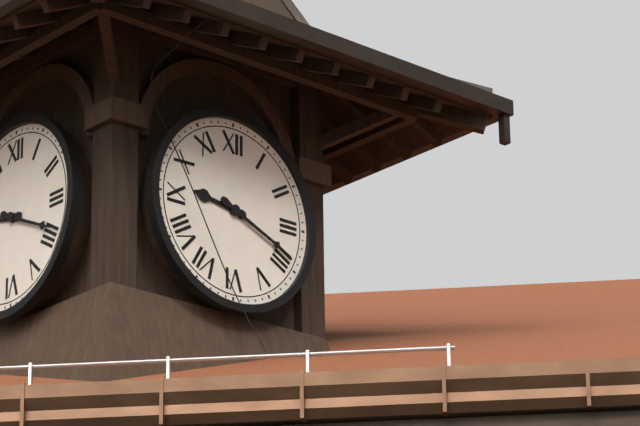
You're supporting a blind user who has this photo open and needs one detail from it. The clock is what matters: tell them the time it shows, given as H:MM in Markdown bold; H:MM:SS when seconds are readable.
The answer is **9:19**
